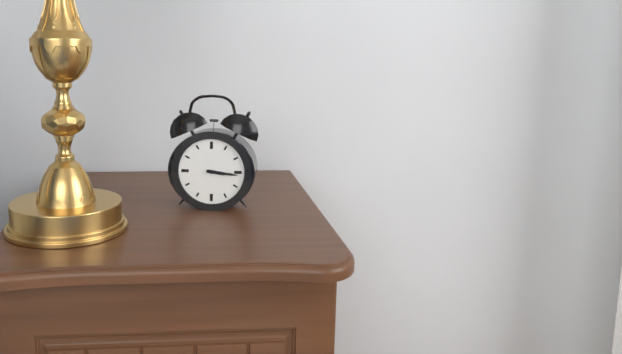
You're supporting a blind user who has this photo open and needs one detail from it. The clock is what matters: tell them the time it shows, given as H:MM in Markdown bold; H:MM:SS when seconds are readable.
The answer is **3:16**
